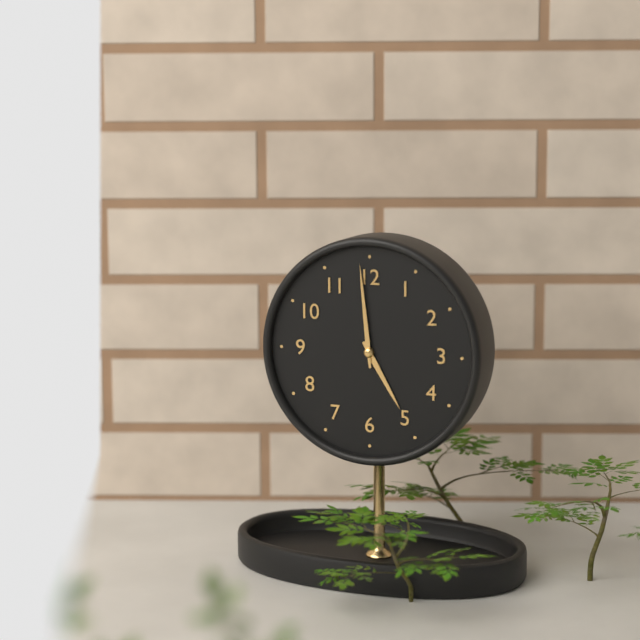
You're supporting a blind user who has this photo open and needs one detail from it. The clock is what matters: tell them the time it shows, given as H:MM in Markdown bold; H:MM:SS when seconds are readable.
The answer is **4:59**
